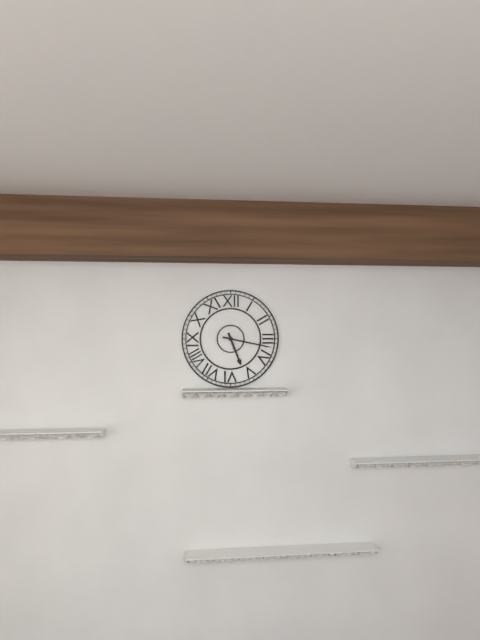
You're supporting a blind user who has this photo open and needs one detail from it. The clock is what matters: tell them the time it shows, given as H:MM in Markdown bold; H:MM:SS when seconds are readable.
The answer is **5:17**
